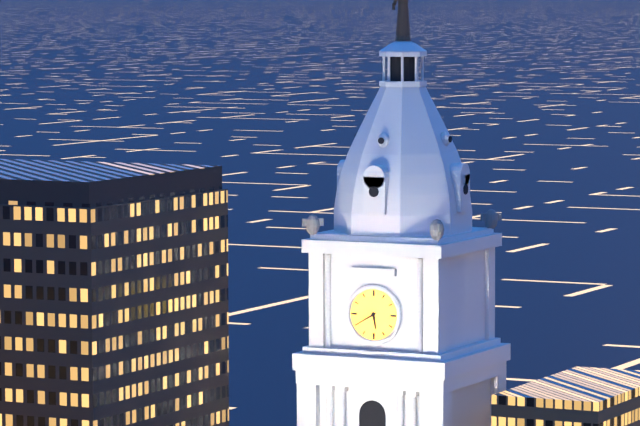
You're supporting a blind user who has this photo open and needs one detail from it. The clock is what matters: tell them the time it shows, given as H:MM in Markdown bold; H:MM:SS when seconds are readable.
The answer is **5:40**
